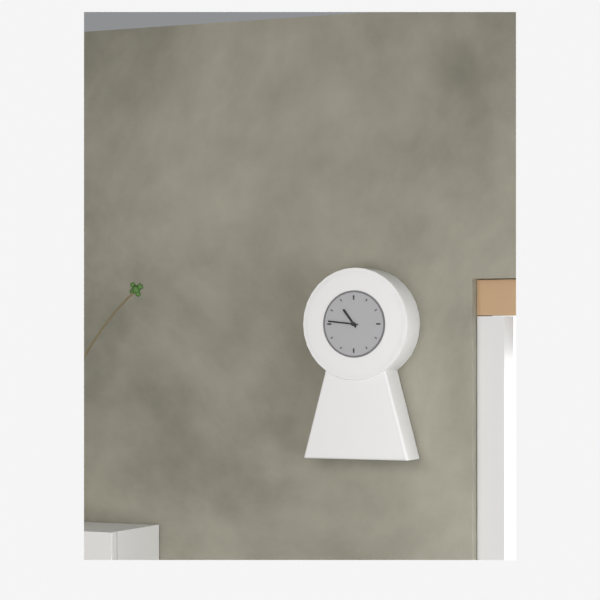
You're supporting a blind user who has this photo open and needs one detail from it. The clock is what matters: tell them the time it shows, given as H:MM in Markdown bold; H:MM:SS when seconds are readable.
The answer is **10:46**
